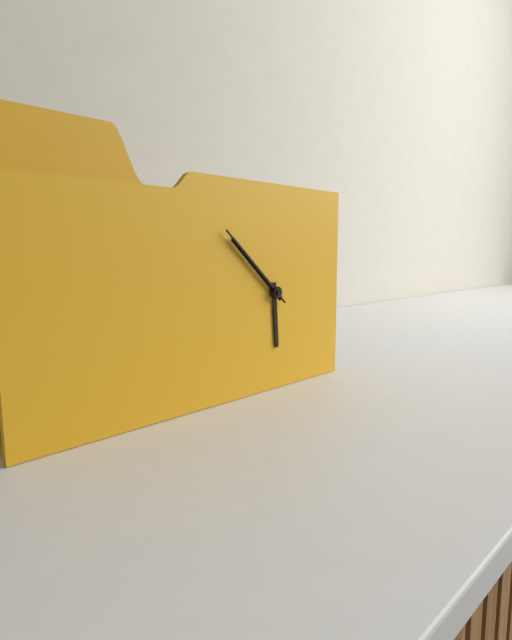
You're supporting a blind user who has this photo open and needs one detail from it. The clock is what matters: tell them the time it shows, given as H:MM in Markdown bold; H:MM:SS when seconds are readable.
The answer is **5:52:52**
